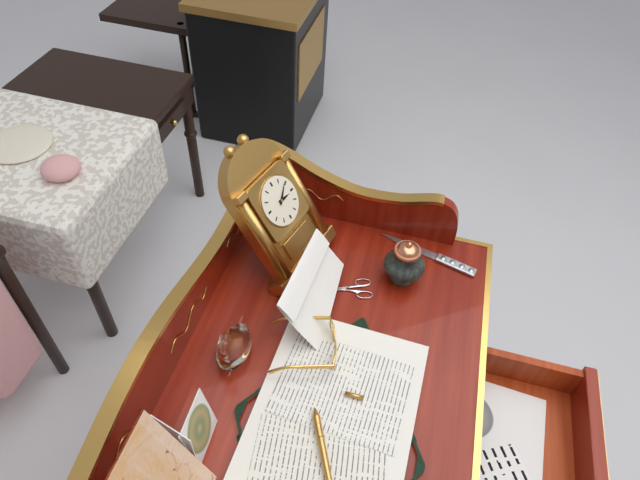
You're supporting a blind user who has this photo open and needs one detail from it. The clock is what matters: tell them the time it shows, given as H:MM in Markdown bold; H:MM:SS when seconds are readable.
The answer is **3:09**
